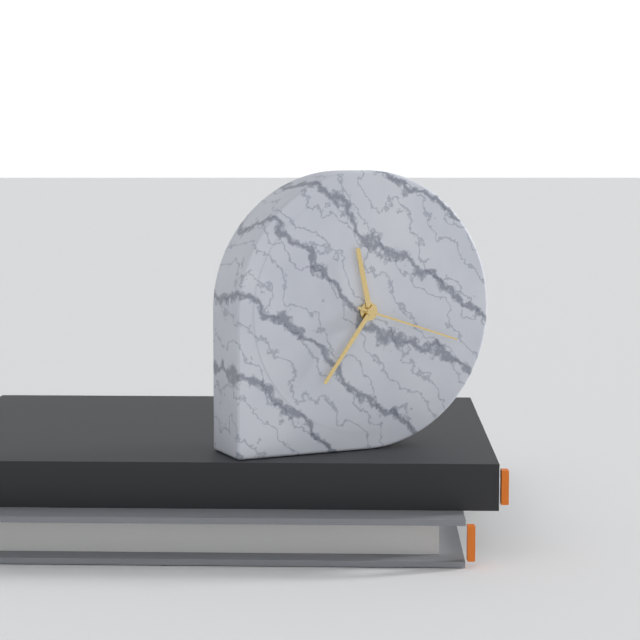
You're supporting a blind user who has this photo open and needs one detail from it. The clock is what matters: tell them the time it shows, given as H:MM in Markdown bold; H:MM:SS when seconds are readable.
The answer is **11:36:18**
